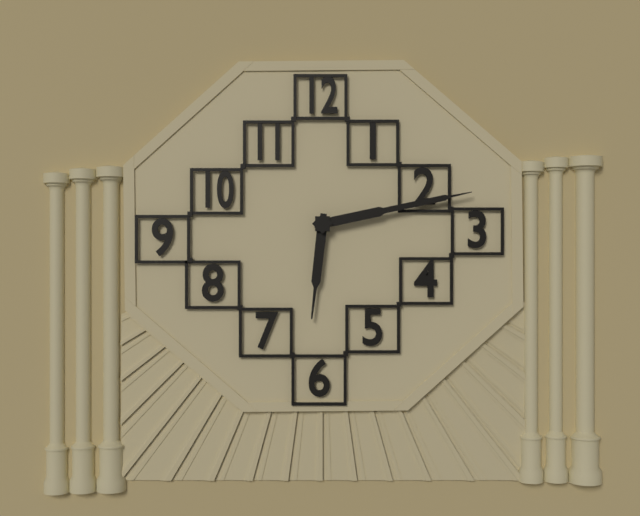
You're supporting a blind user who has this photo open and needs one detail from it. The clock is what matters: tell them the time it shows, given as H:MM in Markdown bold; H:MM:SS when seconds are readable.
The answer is **6:13**
